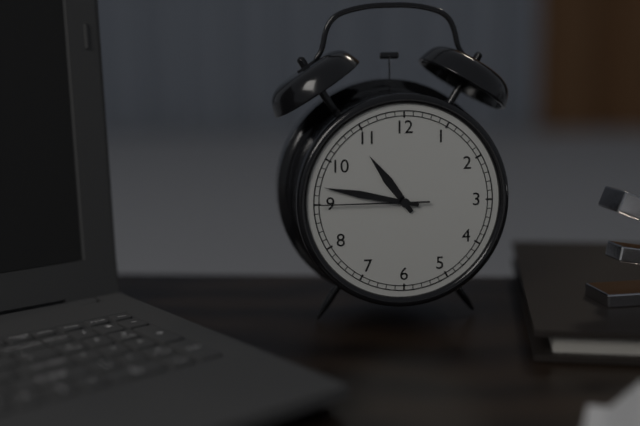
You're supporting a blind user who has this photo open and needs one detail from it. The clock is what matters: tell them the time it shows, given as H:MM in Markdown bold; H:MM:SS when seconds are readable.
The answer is **10:47:45**
